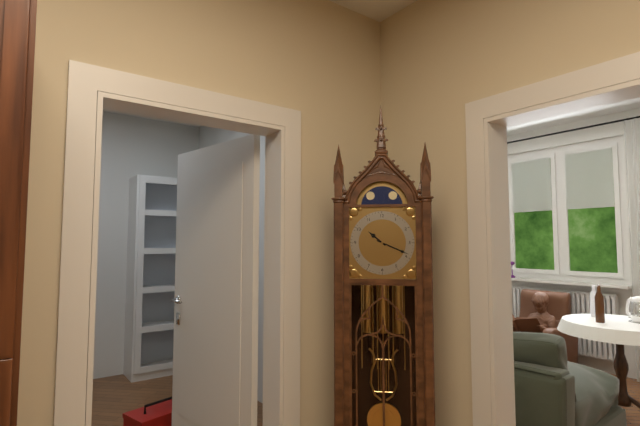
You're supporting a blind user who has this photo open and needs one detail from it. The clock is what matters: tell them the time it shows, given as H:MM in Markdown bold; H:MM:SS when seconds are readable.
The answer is **10:19**
